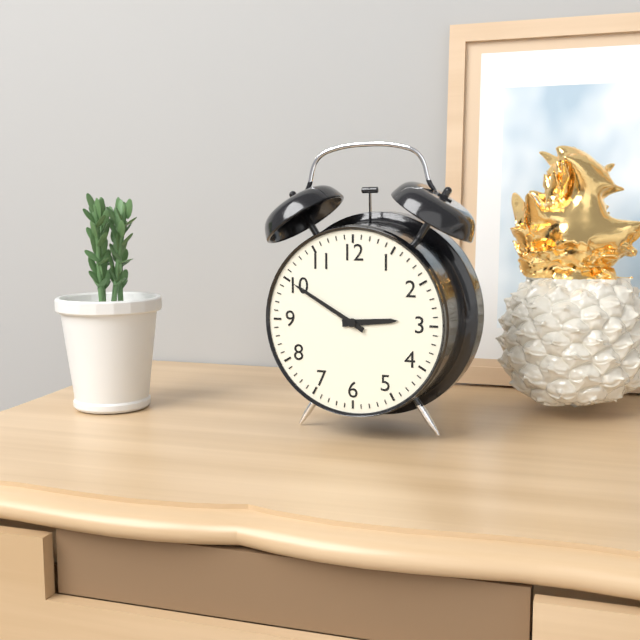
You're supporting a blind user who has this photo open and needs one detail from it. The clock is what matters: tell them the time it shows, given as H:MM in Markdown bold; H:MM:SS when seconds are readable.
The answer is **2:50**
